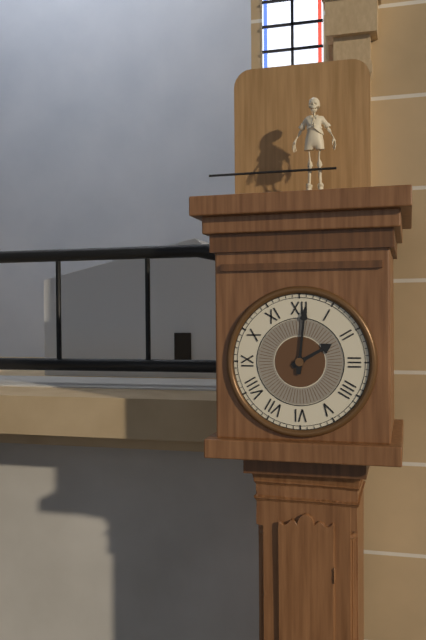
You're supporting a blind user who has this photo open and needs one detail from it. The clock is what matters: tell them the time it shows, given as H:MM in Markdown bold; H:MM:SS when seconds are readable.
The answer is **2:01**
